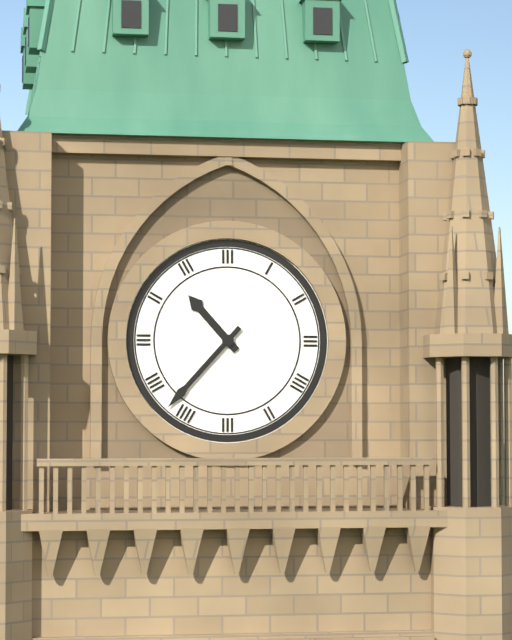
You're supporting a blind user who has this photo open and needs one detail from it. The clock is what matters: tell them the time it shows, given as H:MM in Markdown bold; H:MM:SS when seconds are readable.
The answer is **10:37**
